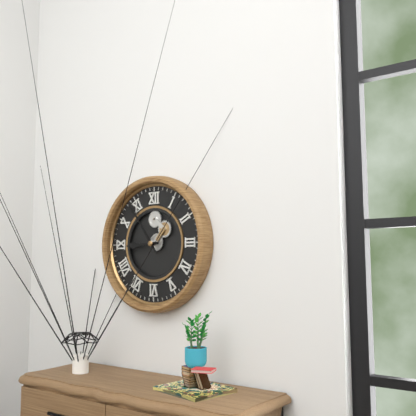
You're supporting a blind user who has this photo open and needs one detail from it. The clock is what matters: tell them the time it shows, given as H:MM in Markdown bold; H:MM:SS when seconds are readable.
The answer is **8:54**
